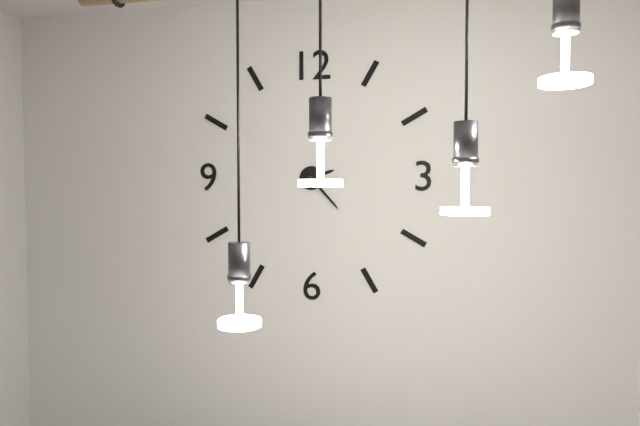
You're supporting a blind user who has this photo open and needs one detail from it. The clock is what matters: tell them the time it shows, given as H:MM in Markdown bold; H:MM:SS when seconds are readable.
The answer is **2:23**
